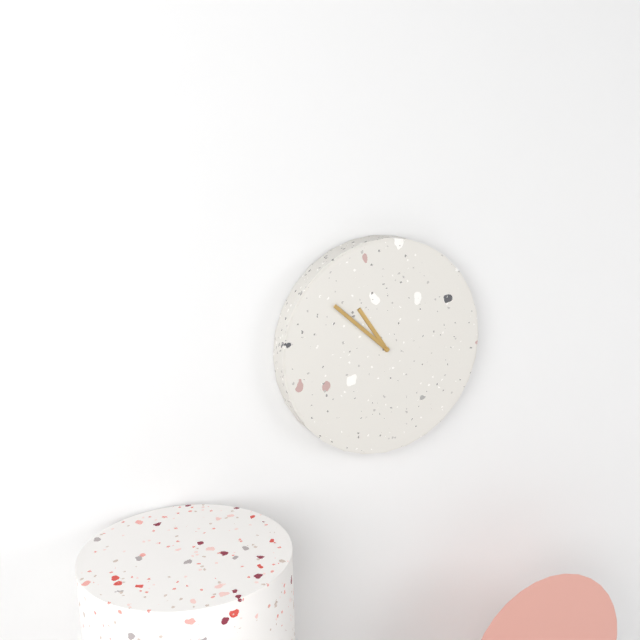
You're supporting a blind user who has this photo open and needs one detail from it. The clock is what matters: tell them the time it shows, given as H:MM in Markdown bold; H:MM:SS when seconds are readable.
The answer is **10:52**
